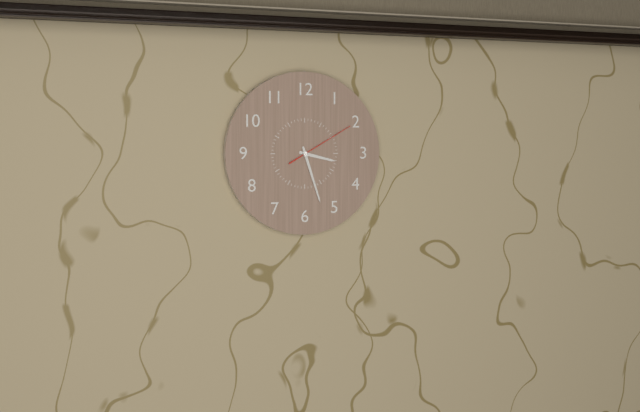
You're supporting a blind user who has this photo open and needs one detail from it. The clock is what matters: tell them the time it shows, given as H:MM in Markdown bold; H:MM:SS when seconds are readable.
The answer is **3:27:10**
